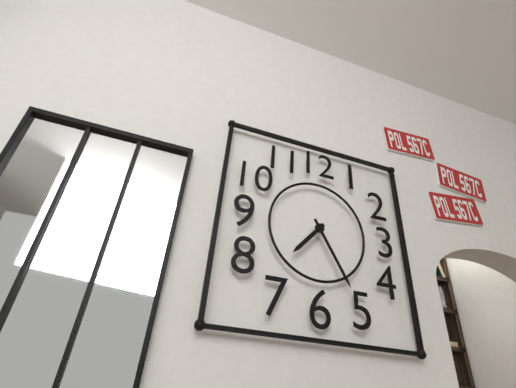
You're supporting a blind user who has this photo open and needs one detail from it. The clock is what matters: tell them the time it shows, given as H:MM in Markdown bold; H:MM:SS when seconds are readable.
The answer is **7:25**
